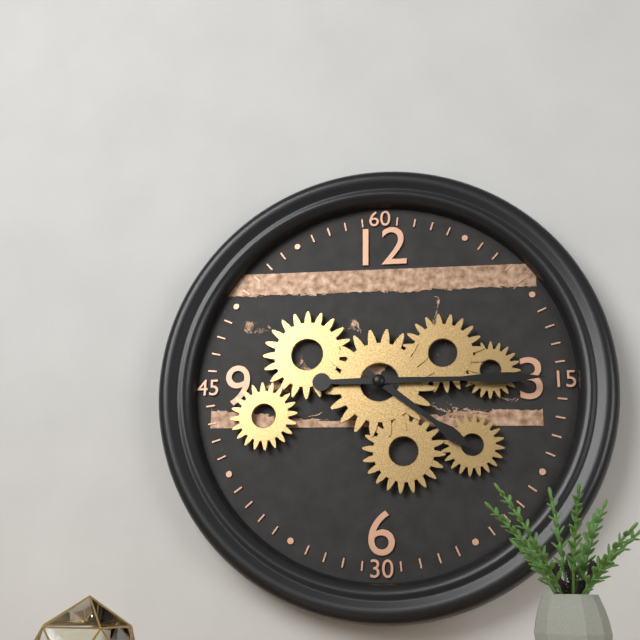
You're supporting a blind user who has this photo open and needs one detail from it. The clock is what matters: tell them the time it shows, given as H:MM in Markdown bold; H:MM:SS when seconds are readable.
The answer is **4:15**
